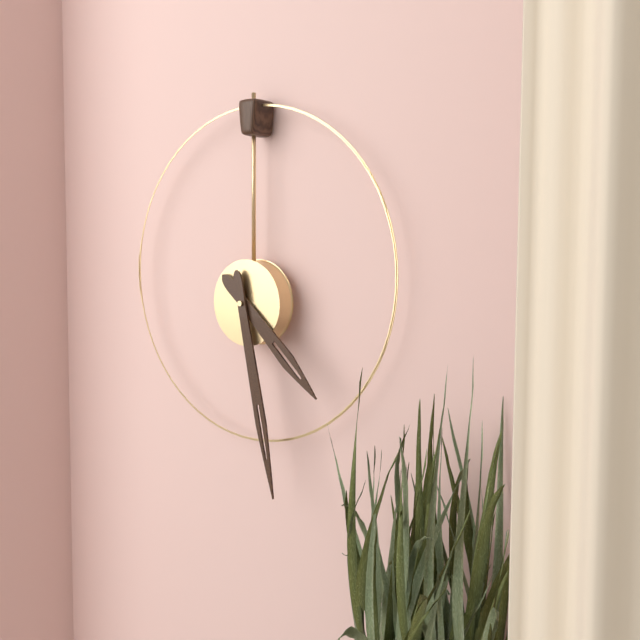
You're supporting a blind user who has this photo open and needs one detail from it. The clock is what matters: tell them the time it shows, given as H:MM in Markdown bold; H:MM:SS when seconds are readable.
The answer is **4:28**
